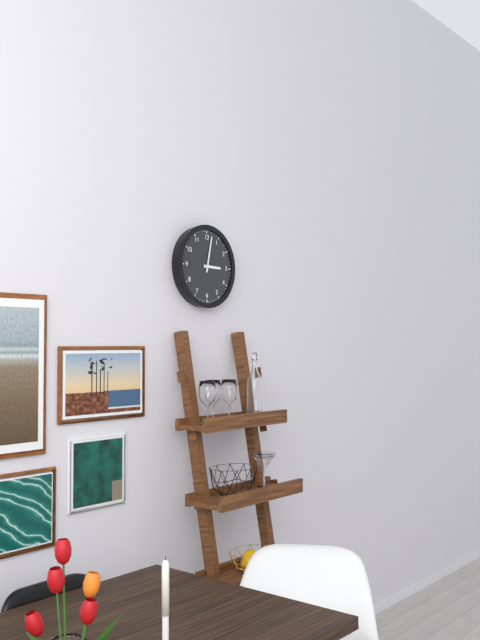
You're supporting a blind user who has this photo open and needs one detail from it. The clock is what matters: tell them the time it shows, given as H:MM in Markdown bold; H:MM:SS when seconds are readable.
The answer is **3:02**
